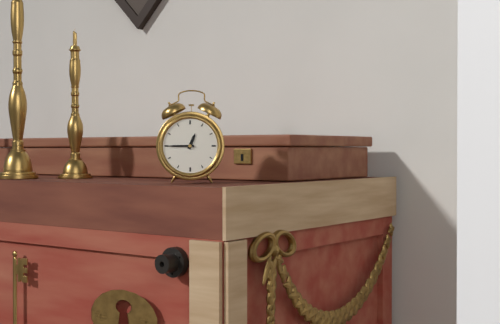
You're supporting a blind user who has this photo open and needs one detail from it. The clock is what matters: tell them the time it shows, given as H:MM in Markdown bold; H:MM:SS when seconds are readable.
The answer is **12:45**
